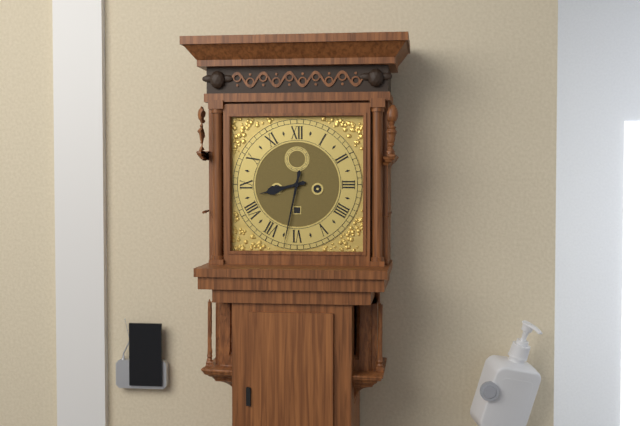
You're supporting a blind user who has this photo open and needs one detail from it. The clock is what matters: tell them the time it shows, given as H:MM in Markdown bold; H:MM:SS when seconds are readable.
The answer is **8:32**
